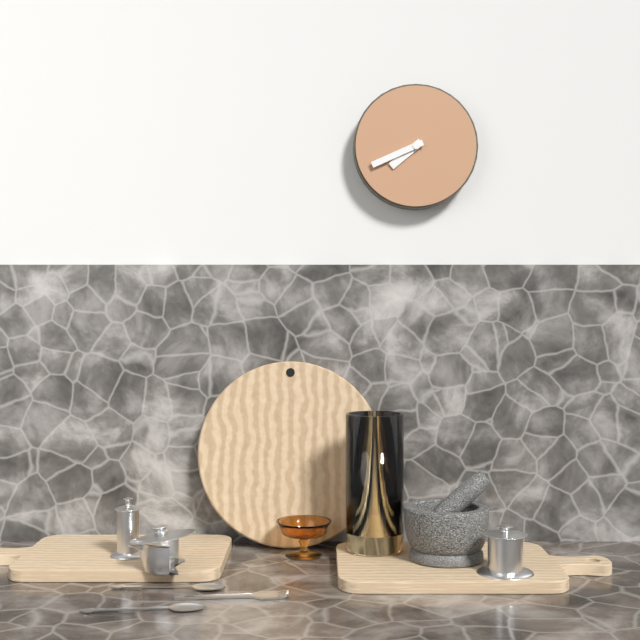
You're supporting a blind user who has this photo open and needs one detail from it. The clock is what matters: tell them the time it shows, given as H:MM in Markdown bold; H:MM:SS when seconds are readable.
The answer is **7:41**
